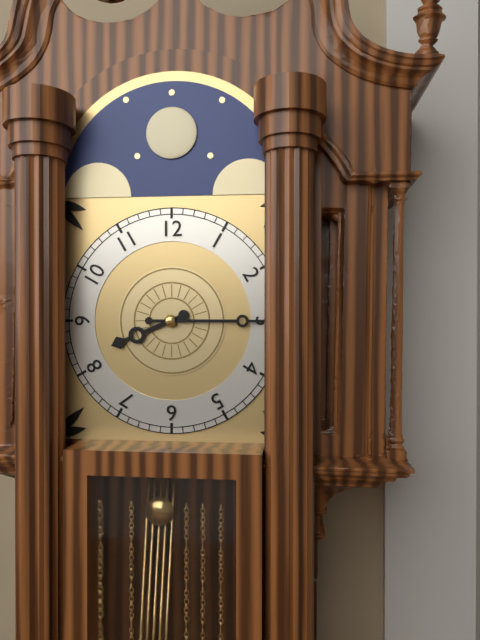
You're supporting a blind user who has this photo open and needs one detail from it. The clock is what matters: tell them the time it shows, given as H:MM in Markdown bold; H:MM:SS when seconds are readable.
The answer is **8:15**
